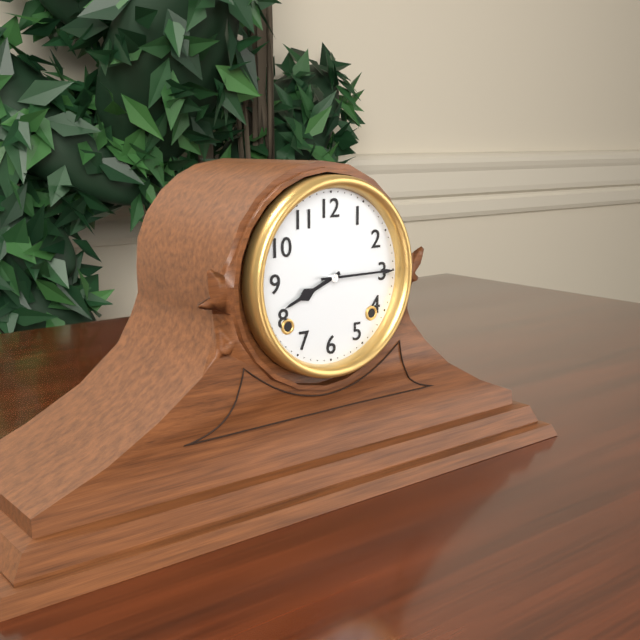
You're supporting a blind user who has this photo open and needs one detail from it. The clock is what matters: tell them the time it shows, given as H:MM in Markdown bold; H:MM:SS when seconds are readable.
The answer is **8:15**
